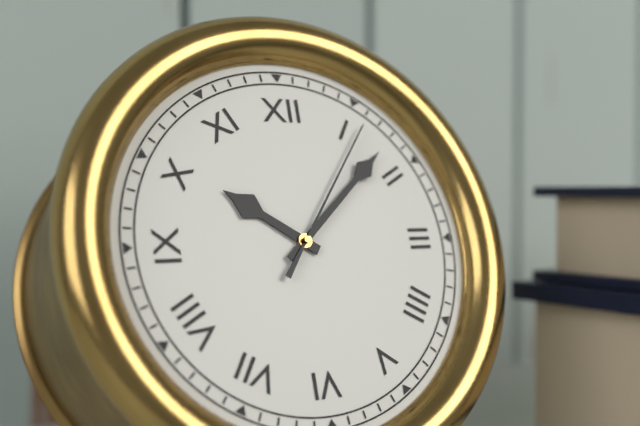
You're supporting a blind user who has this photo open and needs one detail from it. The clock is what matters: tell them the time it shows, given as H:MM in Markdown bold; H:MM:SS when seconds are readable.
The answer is **10:08:06**
